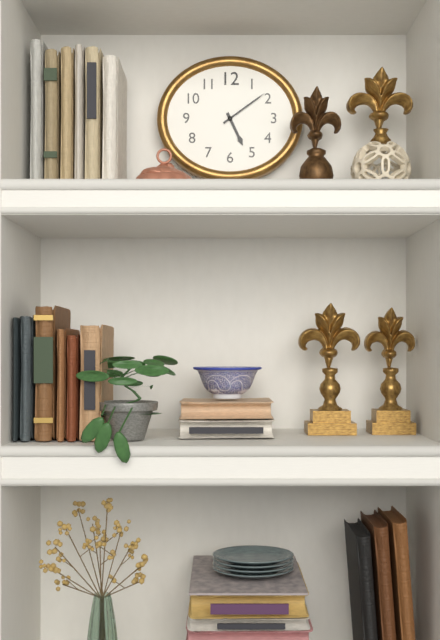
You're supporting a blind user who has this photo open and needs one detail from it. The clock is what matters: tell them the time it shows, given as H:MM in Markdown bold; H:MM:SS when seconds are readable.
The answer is **5:09**
